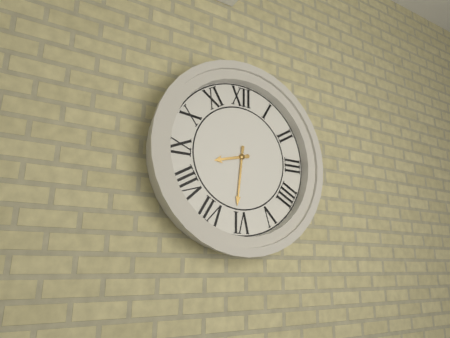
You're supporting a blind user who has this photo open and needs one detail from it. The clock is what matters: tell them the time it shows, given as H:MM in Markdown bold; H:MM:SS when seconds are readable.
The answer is **8:31**
